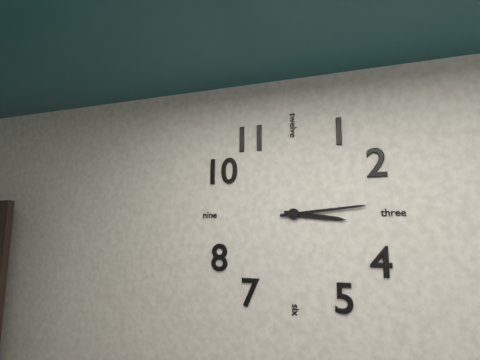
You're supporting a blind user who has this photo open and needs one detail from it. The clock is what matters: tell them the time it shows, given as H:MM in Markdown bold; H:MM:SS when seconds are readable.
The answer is **3:14**
